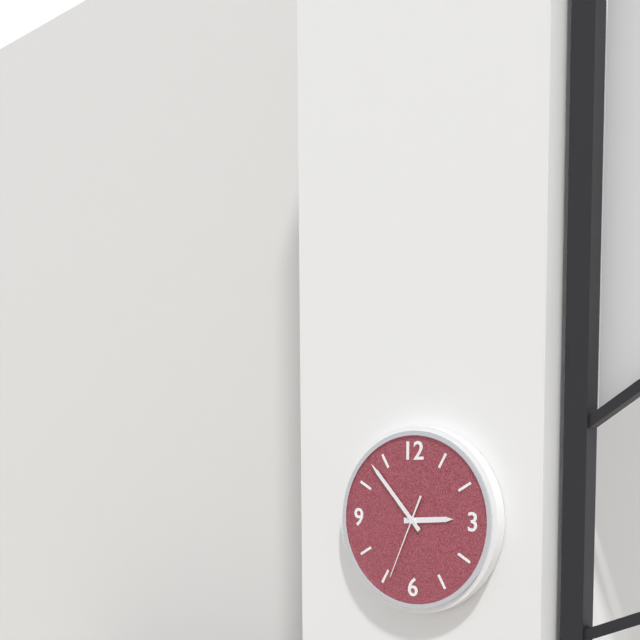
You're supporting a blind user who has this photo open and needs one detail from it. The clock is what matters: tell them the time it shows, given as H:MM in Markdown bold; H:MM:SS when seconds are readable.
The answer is **2:53:34**
